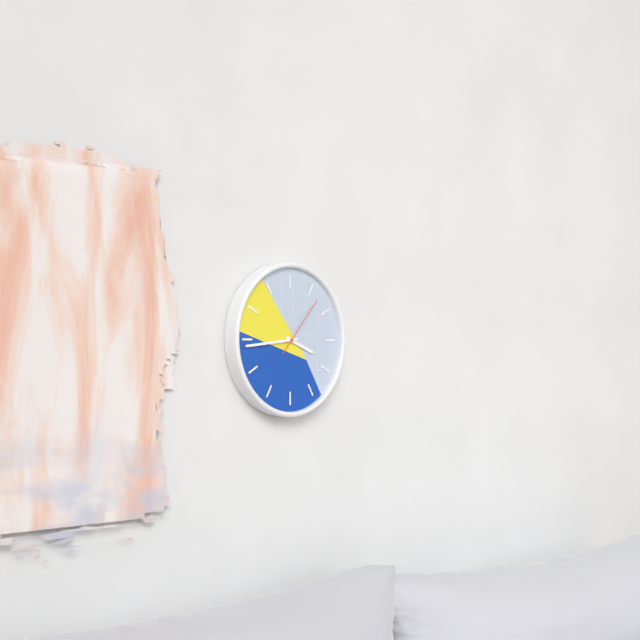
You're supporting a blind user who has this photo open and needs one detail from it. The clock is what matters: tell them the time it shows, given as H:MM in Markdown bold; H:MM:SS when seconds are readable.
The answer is **3:44:07**
